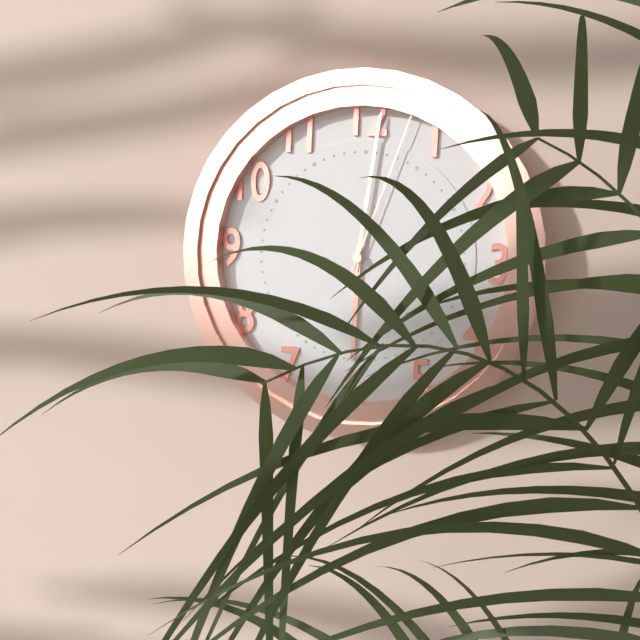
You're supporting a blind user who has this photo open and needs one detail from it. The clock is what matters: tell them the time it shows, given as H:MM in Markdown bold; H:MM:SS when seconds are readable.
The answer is **6:01:03**
